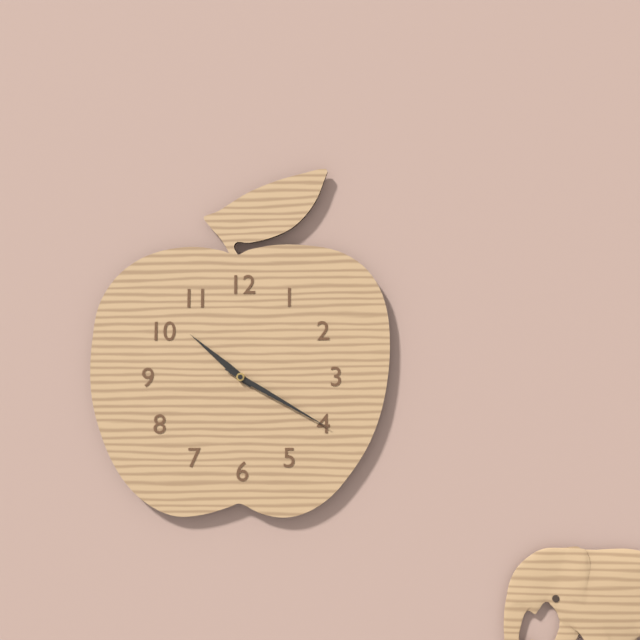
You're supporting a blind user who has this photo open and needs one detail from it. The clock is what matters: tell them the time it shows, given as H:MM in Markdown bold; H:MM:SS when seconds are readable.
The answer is **10:20**
